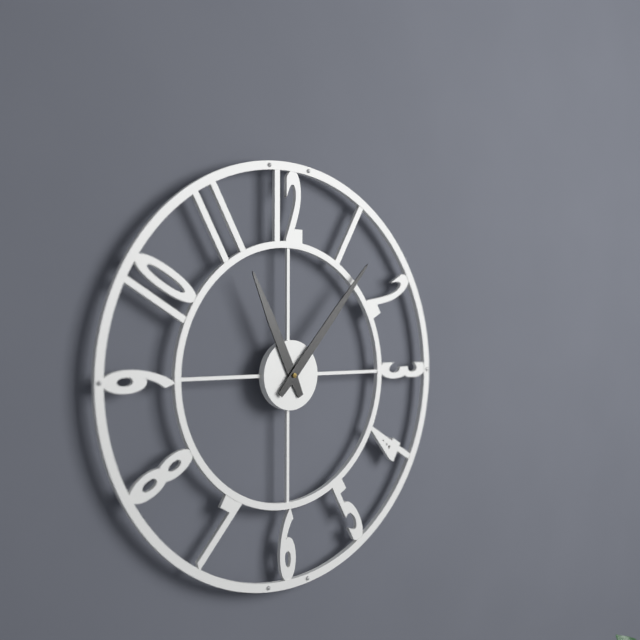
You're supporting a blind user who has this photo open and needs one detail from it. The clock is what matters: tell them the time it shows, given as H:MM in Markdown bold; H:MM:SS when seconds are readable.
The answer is **11:07**
